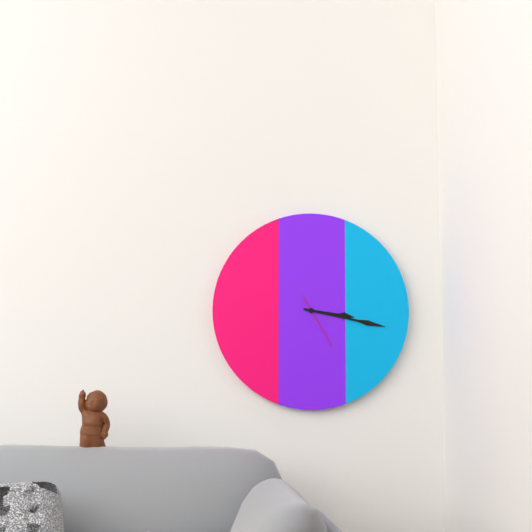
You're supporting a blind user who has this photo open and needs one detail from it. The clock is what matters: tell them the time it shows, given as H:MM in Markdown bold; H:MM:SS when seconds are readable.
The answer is **3:17:25**
